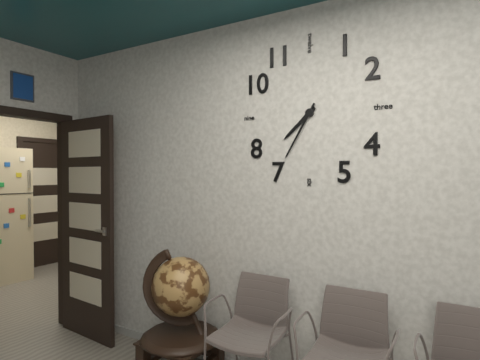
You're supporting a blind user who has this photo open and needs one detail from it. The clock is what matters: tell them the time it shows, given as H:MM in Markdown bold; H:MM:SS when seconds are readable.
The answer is **7:35**
